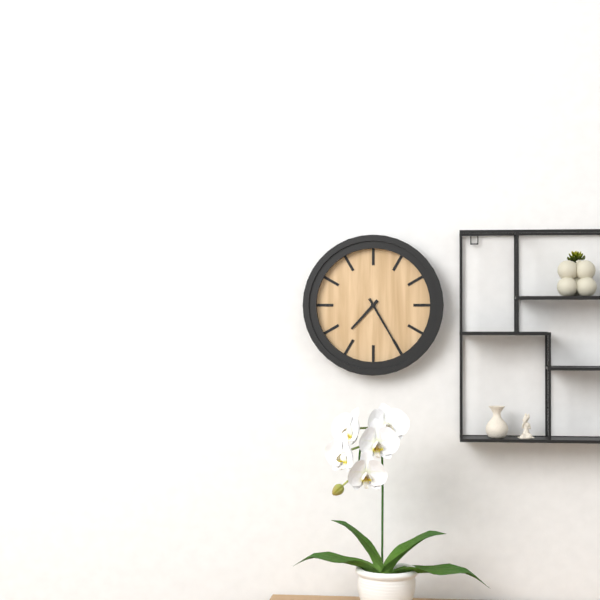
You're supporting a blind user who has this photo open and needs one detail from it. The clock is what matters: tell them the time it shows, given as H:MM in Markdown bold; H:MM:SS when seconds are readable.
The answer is **7:25**
